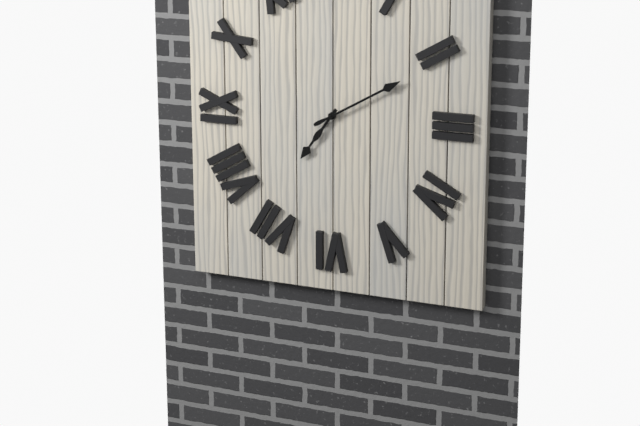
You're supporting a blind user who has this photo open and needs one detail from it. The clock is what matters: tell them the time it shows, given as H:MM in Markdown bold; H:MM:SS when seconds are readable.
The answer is **7:10**
